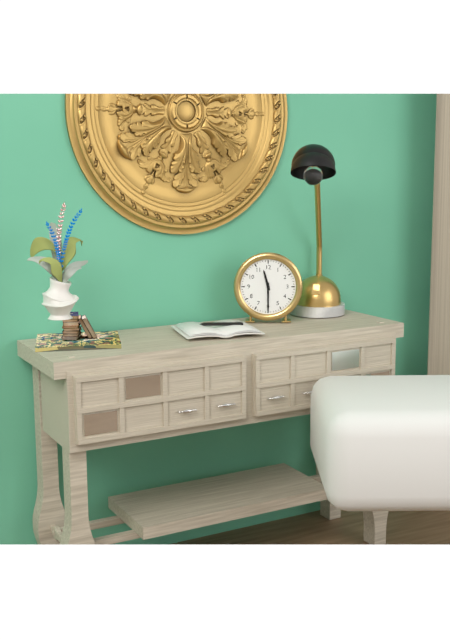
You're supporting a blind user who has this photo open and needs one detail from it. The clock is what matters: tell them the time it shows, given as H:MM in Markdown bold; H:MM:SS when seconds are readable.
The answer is **11:30**
